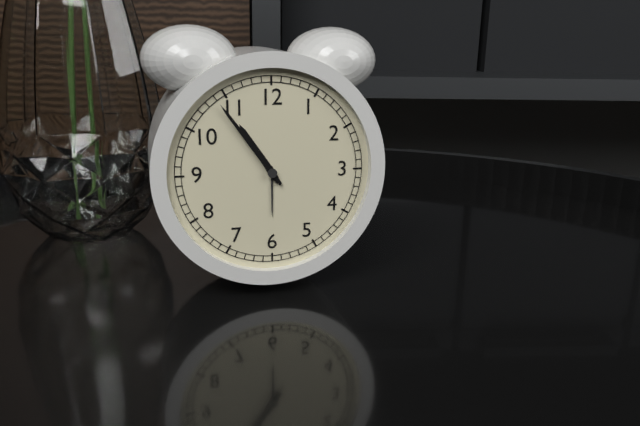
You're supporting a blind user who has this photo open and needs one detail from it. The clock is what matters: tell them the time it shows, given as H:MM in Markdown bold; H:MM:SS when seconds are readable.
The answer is **10:54**
